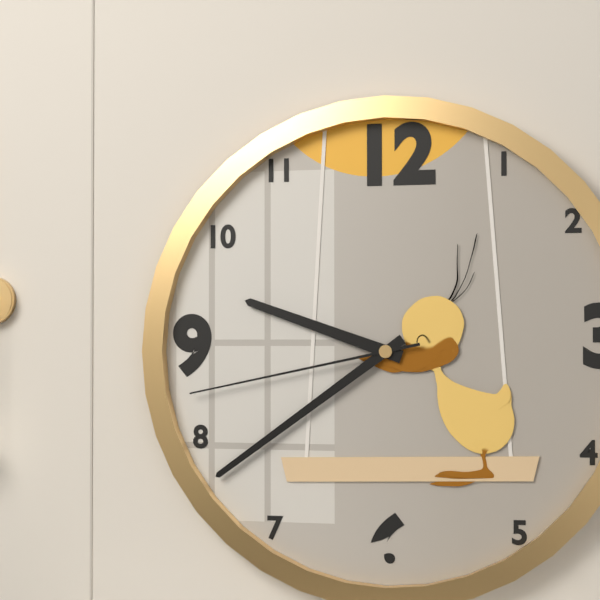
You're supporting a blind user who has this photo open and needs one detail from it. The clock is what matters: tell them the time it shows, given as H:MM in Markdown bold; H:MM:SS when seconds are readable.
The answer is **9:39:43**
